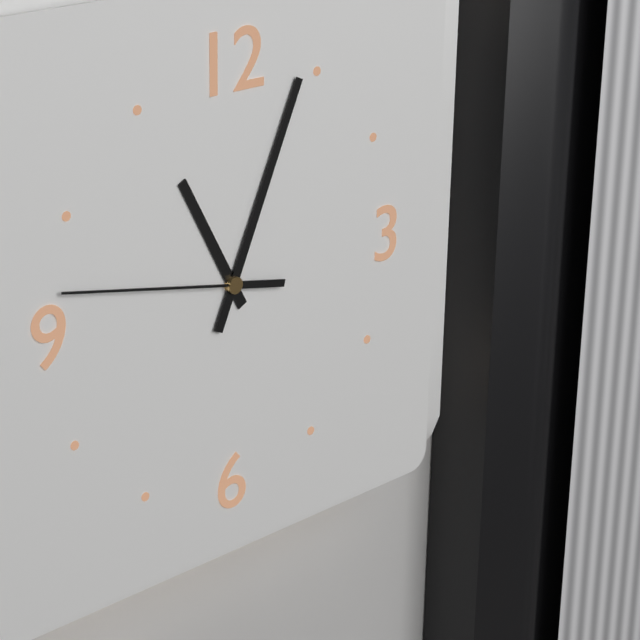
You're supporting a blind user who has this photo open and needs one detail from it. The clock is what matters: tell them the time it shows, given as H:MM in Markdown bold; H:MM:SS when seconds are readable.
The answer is **11:04:47**
